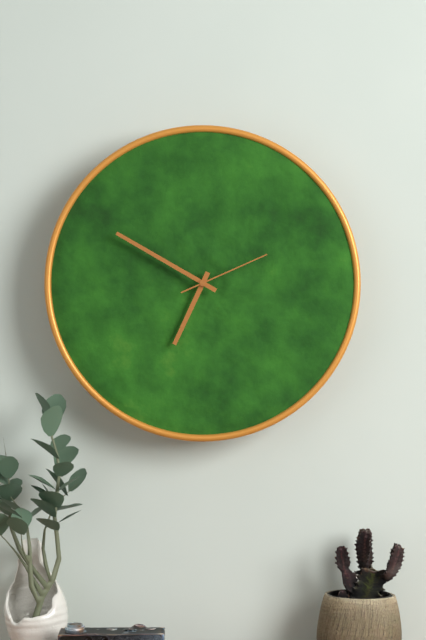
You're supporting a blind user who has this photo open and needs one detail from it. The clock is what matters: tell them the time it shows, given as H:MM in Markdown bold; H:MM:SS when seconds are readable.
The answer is **6:50:11**
